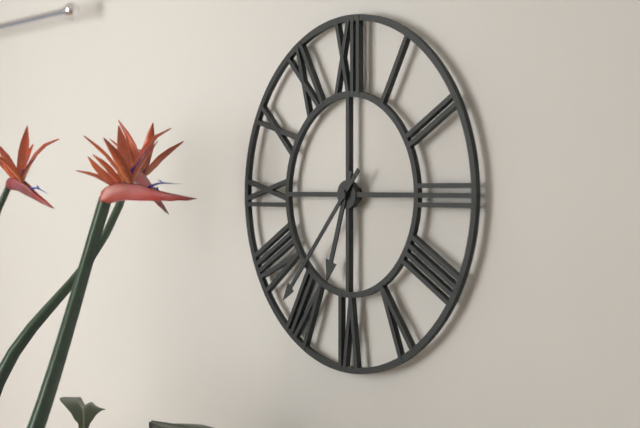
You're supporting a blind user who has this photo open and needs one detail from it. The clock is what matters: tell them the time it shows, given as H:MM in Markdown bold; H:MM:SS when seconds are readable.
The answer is **6:37**
